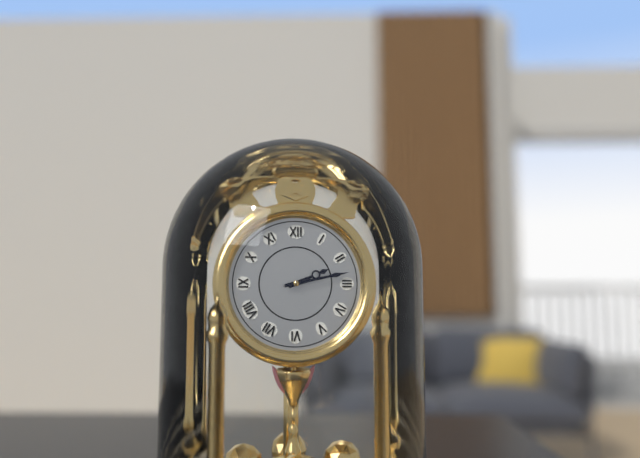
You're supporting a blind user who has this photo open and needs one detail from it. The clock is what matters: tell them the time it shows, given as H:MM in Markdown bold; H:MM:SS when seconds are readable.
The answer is **2:13**
